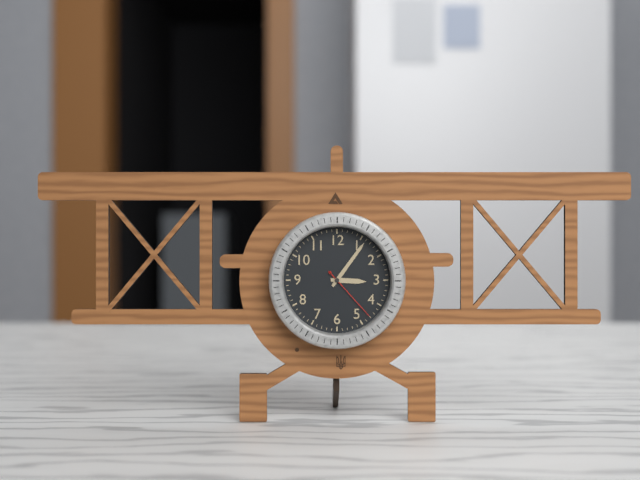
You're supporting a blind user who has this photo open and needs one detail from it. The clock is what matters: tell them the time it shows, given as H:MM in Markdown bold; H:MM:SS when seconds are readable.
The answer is **3:06:23**
